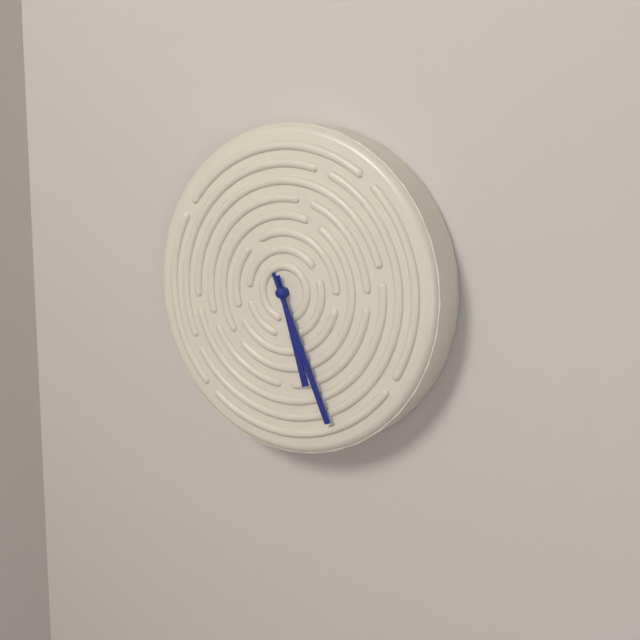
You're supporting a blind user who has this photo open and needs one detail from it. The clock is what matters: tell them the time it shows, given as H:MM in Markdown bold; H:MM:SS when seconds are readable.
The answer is **5:26**
